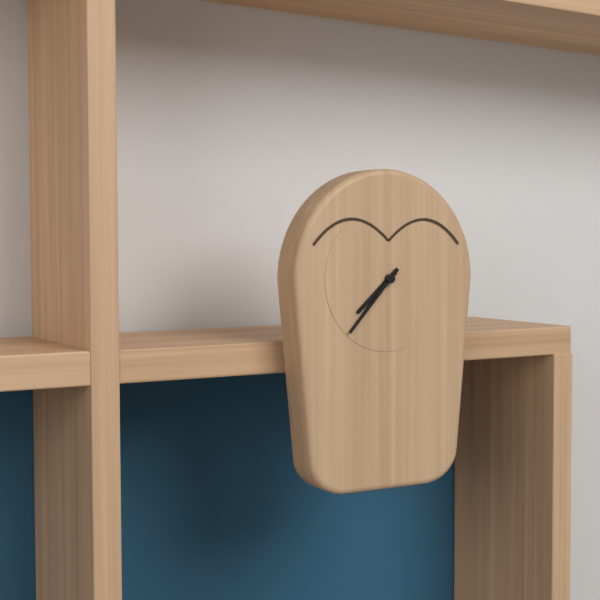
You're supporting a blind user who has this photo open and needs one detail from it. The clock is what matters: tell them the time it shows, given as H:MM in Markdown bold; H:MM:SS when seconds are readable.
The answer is **7:37**
